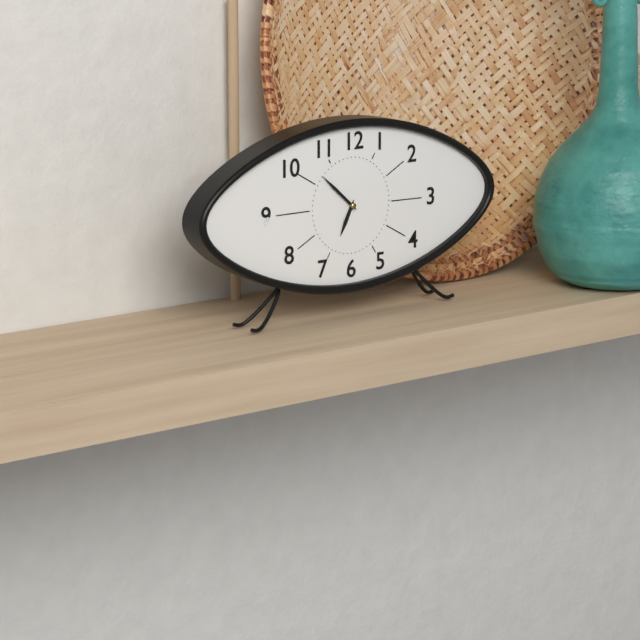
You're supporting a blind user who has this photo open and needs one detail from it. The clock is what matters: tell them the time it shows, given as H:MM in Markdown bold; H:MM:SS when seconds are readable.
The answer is **6:52**
